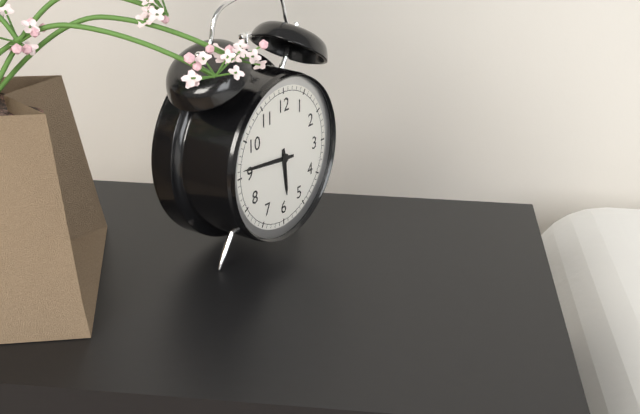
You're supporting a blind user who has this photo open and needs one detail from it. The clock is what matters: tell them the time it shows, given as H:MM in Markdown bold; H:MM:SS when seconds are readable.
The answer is **5:46**
